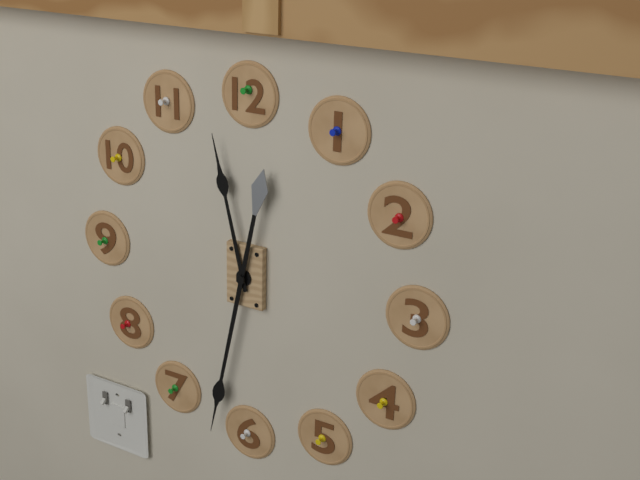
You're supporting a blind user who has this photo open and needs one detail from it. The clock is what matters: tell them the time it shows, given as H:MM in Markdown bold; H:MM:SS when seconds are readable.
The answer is **11:32**
